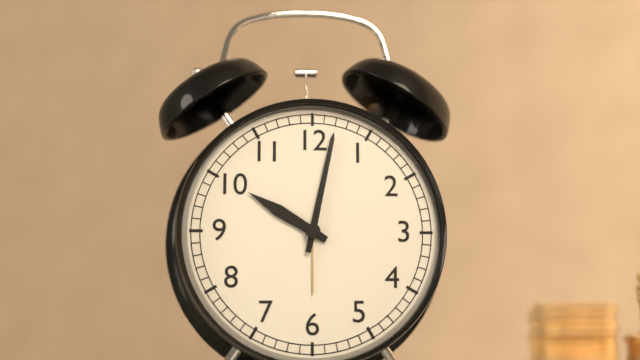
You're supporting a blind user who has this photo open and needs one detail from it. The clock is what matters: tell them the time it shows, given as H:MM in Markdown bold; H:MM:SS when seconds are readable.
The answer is **10:02**
